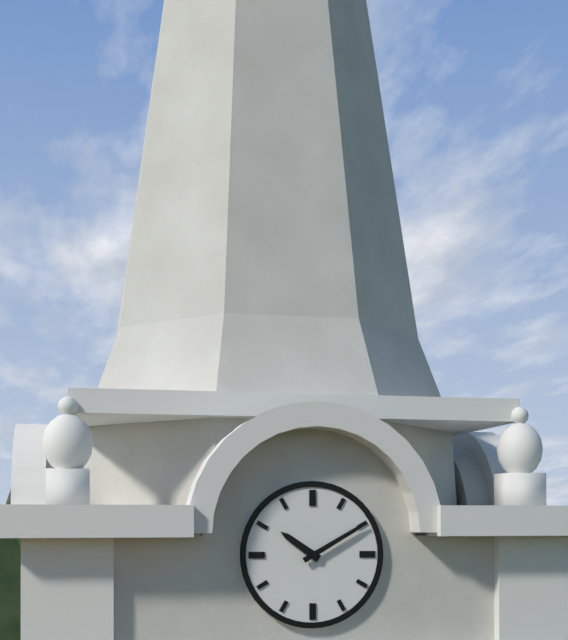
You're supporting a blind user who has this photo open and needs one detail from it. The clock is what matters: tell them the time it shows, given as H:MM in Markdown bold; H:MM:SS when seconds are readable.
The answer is **10:10**
